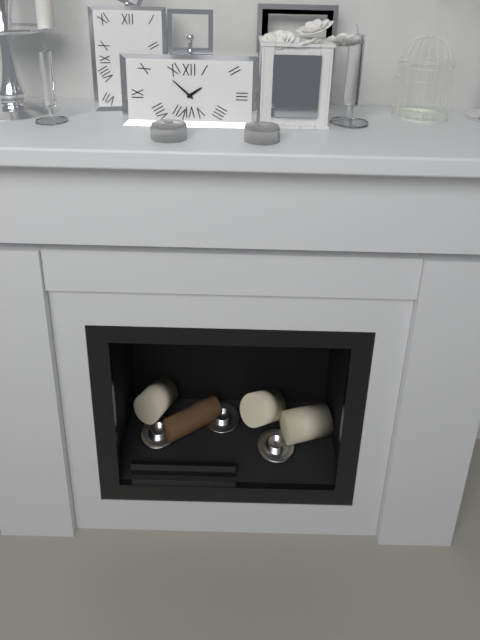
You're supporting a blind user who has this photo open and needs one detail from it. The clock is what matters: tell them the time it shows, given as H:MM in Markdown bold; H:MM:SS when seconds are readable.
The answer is **1:52**
